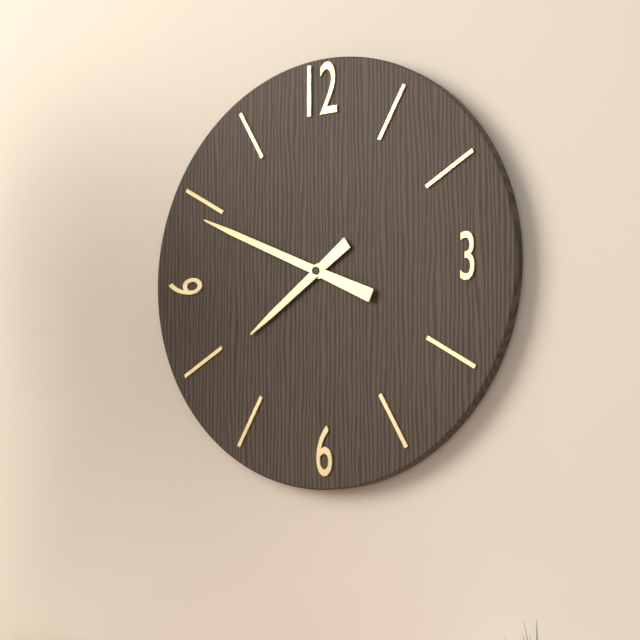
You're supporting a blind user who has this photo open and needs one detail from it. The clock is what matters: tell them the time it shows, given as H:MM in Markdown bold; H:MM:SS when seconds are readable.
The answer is **7:49**
